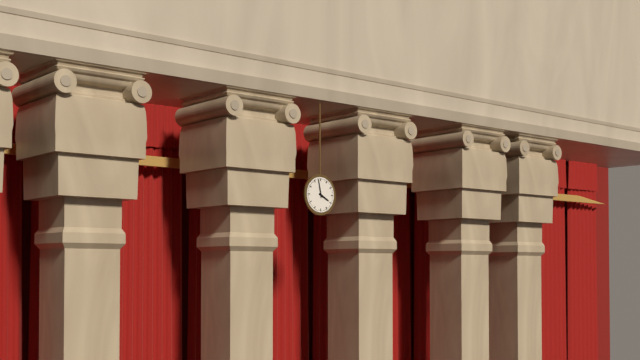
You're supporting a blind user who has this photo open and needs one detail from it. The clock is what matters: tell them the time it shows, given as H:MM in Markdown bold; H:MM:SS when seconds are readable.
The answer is **3:58**
